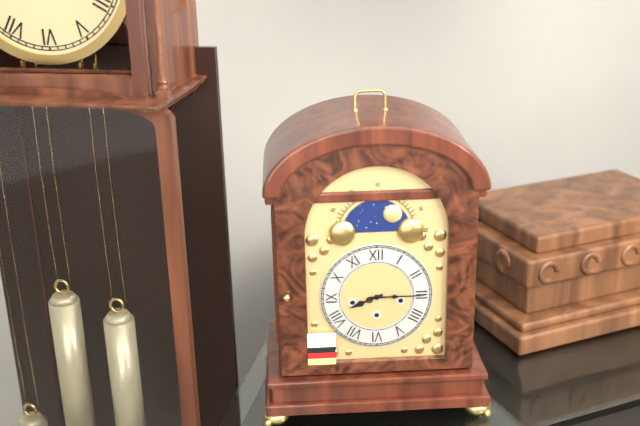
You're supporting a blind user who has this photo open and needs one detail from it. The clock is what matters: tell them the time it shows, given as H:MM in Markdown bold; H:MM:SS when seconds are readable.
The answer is **8:15**
